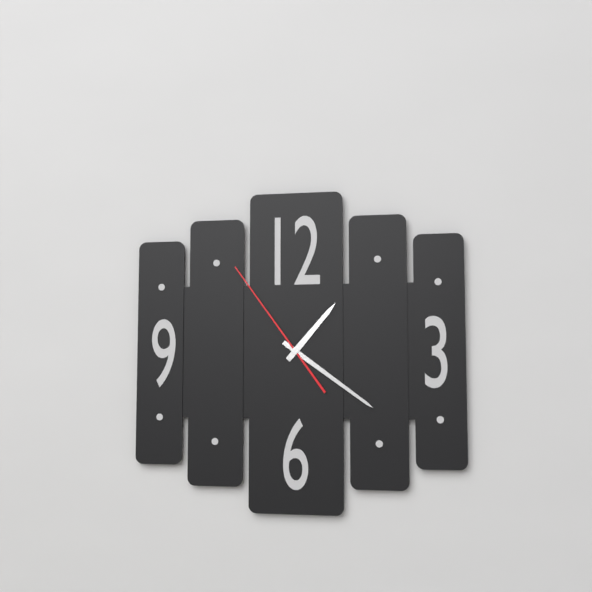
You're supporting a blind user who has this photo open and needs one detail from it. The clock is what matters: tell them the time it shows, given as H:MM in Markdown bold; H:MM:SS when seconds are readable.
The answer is **1:21:54**
